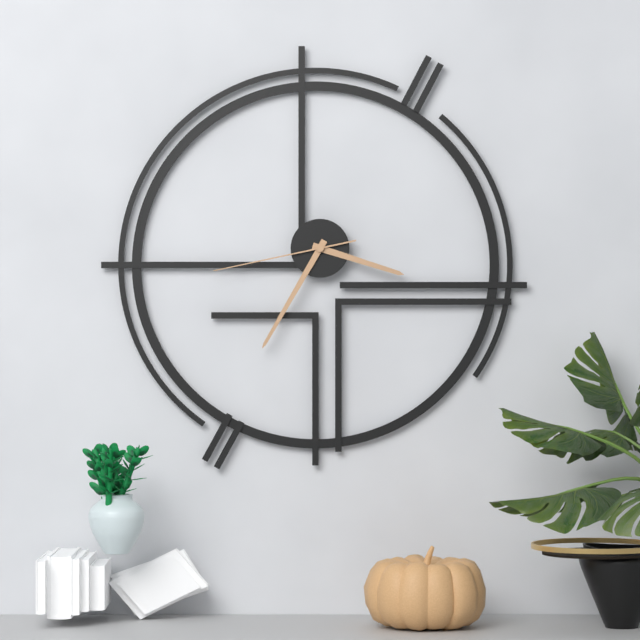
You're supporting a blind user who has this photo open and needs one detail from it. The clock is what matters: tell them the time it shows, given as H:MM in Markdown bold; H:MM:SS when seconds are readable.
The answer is **3:35:43**
